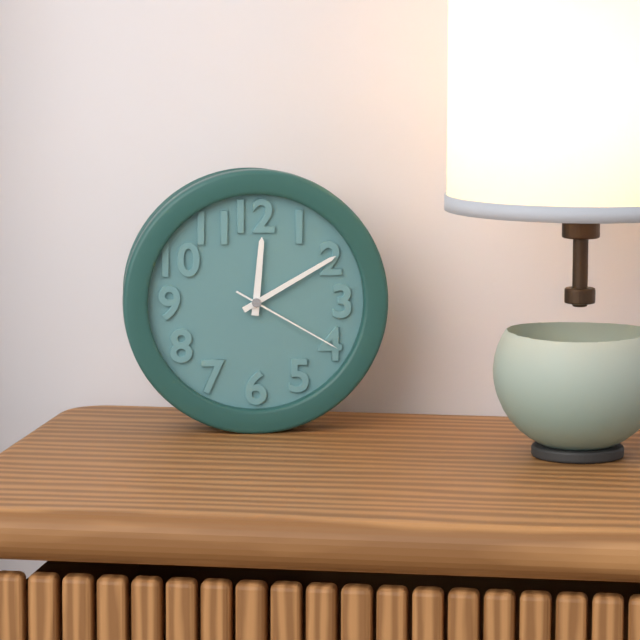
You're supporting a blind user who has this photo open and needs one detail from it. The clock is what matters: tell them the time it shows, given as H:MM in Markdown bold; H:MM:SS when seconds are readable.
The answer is **12:10:20**
